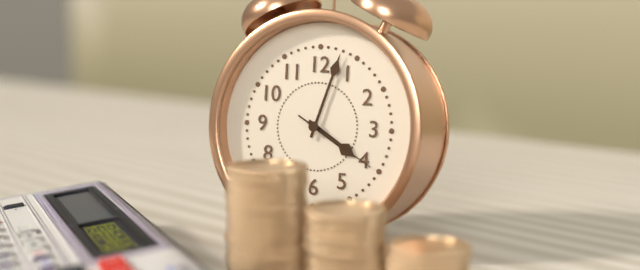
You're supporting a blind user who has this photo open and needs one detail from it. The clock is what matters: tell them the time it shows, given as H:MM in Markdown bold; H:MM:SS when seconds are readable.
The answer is **4:03:20**
